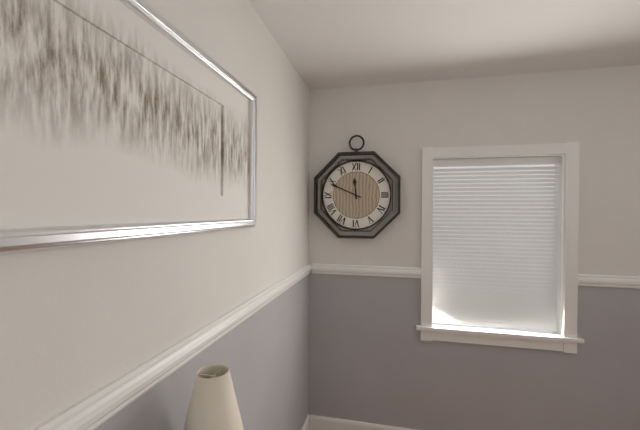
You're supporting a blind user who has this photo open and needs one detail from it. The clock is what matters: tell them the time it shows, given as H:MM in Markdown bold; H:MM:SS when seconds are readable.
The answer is **11:49**
